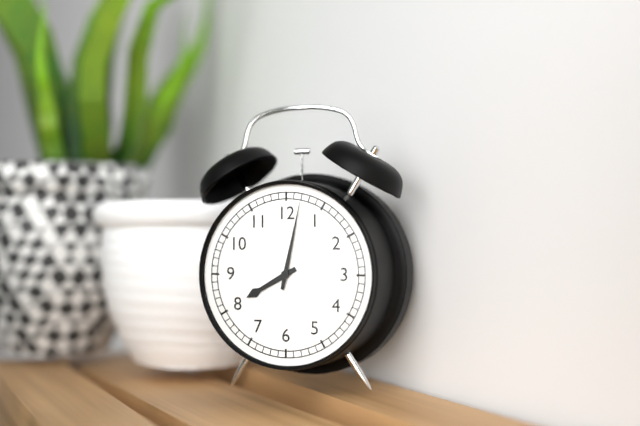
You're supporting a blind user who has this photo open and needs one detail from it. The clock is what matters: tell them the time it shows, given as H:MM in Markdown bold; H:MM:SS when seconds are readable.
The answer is **8:02**
